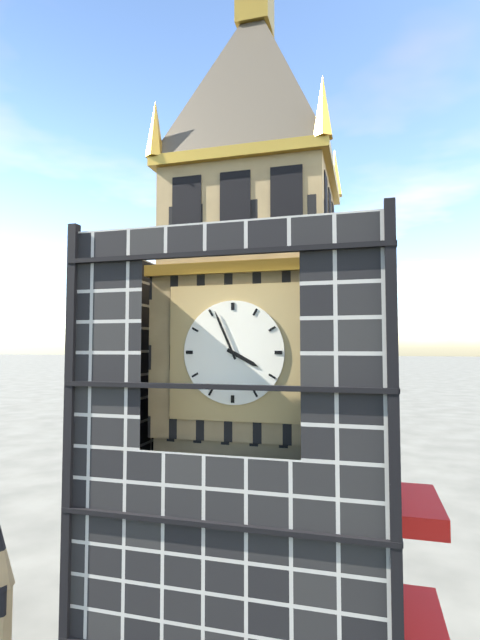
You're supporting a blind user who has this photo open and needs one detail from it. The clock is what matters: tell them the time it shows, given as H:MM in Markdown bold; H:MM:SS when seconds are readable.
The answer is **3:56**
